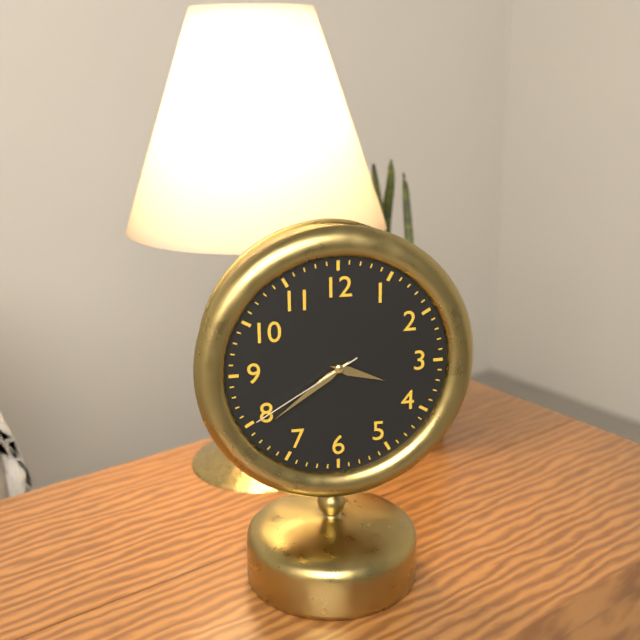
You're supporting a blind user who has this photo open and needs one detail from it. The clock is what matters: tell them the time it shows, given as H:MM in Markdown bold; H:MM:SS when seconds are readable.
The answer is **3:39:40**
